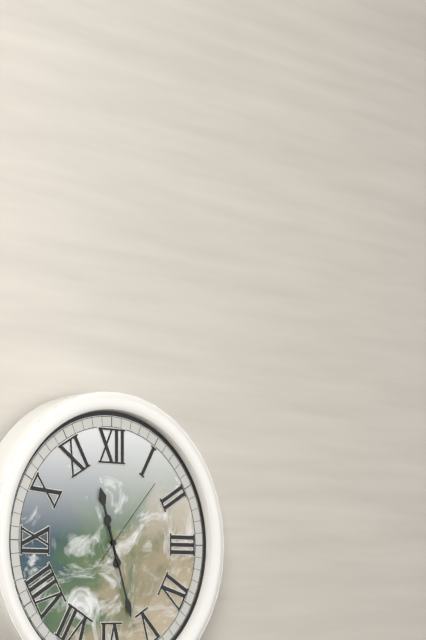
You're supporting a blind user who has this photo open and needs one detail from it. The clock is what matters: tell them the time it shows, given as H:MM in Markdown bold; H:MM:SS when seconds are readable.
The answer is **11:27:07**
